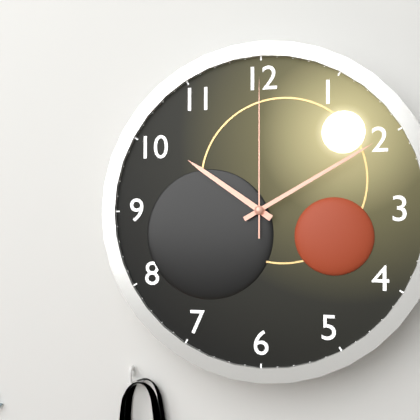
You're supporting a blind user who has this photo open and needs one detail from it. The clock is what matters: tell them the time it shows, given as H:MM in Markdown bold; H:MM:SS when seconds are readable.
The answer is **10:10:00**
